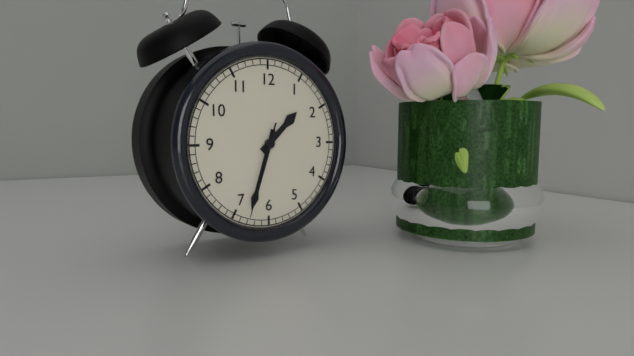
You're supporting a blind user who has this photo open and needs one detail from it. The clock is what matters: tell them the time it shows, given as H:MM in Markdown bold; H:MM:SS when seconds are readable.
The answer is **1:33:33**
